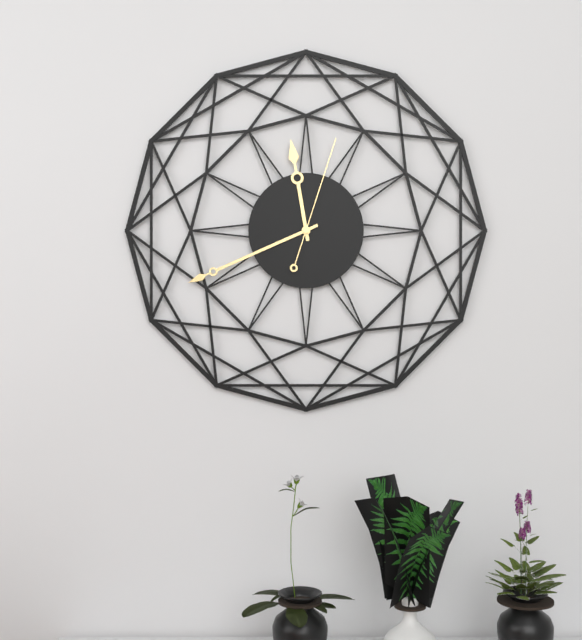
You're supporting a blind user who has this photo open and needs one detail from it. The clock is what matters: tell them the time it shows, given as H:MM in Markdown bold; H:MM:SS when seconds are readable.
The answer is **11:41:03**
